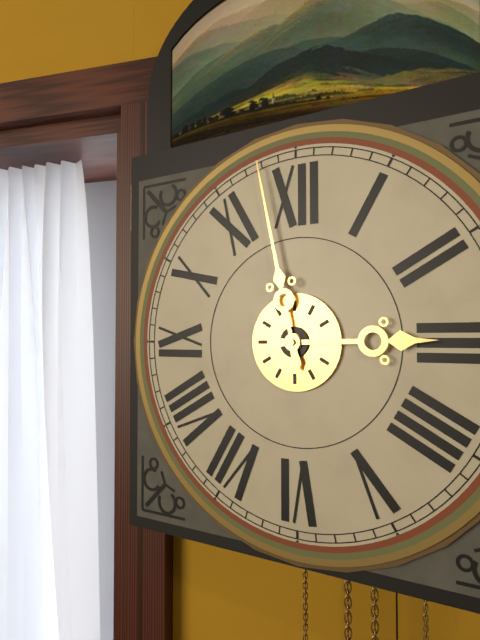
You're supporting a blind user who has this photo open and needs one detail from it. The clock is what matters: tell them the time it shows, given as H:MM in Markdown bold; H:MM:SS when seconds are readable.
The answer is **2:58**
